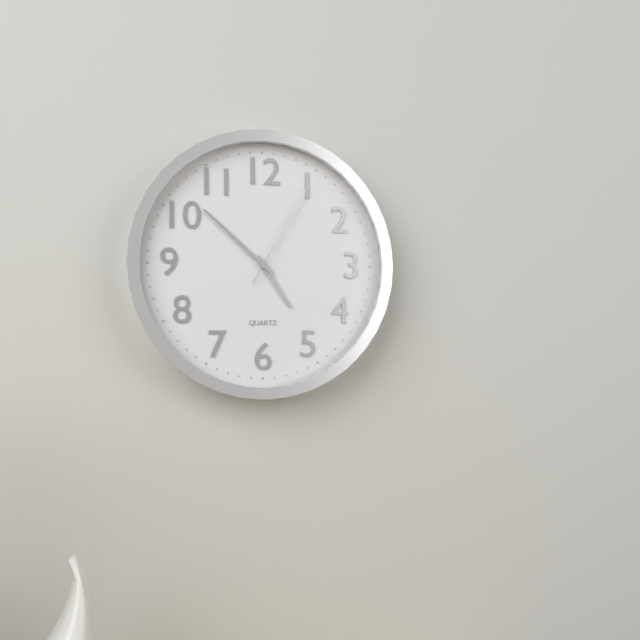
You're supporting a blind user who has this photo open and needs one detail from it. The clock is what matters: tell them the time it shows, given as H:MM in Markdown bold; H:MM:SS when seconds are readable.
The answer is **4:52:05**
